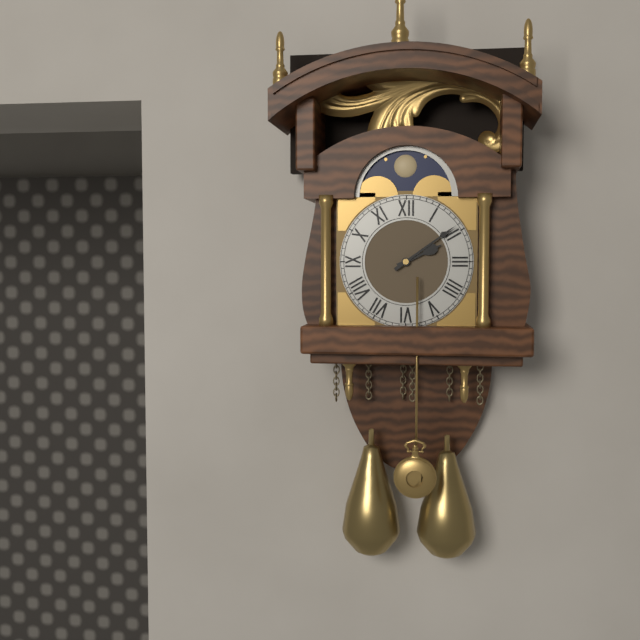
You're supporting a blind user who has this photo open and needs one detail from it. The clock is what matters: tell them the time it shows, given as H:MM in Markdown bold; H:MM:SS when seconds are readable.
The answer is **2:09**
